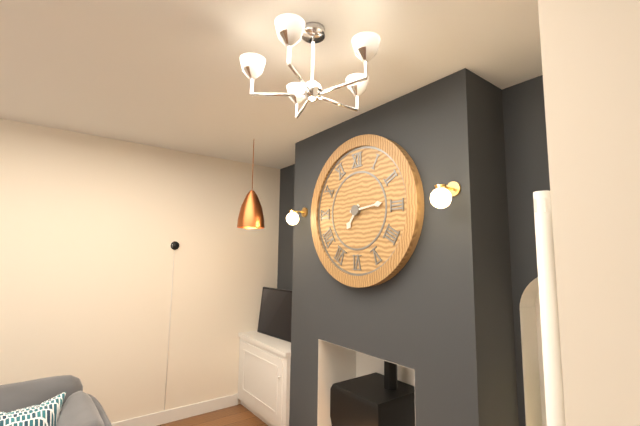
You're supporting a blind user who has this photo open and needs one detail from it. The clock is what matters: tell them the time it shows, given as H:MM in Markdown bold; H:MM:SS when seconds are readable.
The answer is **7:14**
